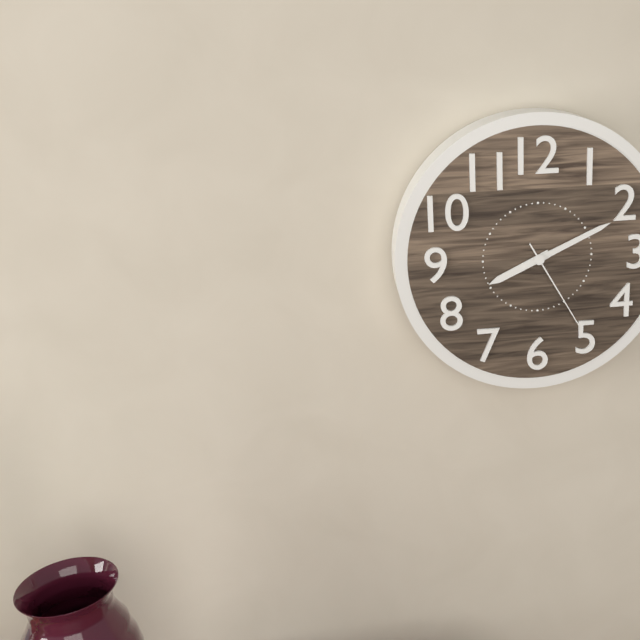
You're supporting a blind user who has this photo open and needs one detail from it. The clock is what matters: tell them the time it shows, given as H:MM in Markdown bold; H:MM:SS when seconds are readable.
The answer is **8:11:25**
